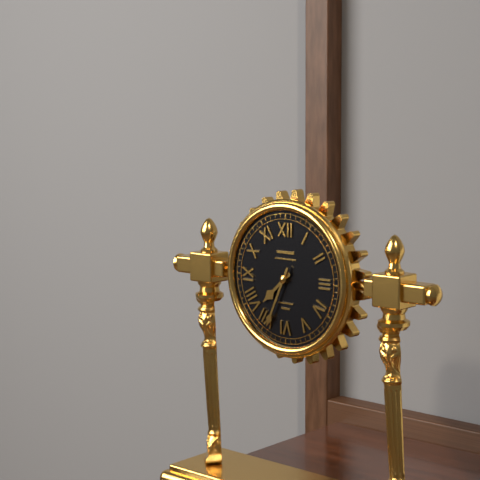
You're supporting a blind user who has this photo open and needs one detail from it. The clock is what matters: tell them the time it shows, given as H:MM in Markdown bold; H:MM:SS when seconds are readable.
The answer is **7:34**
